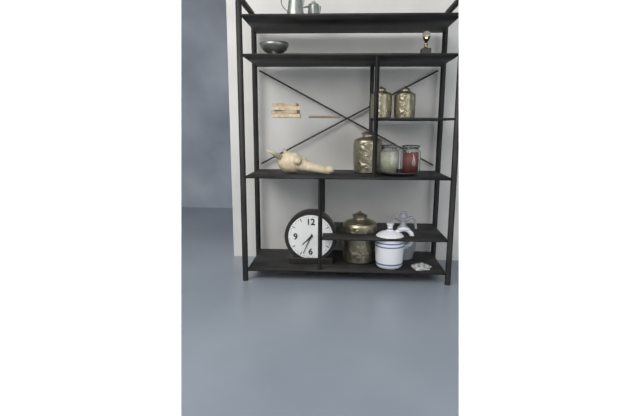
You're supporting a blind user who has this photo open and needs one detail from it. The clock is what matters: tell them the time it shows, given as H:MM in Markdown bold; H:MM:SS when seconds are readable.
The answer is **7:34**
